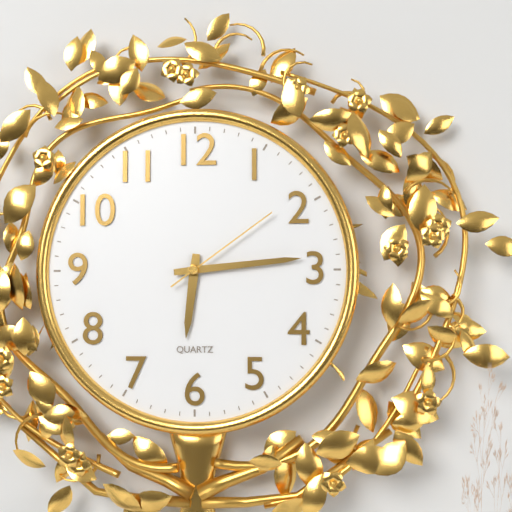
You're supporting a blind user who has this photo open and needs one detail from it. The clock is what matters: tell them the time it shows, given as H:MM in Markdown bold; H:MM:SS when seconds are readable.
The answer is **6:14:09**
